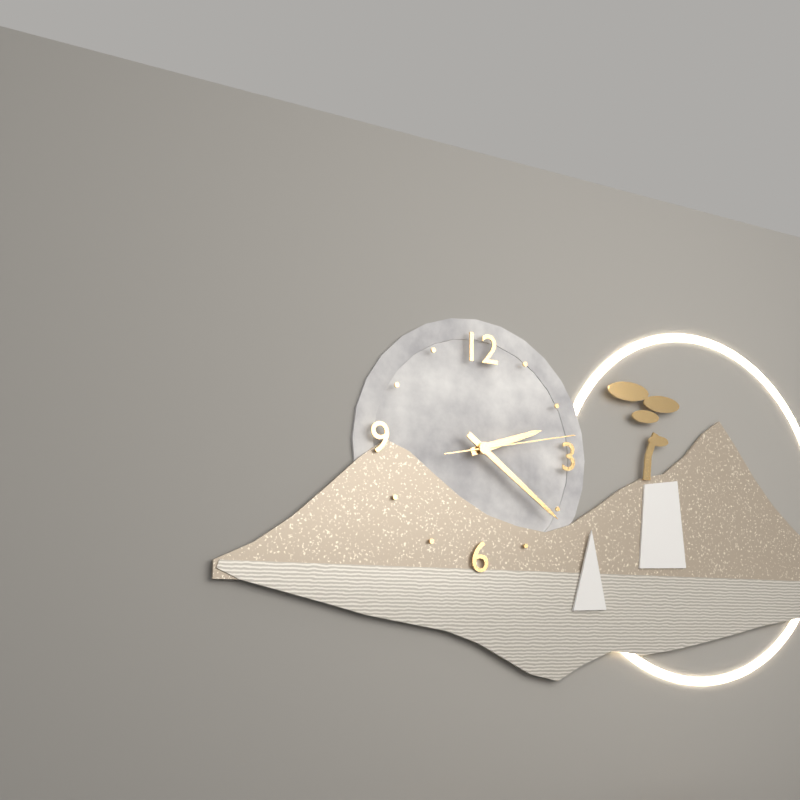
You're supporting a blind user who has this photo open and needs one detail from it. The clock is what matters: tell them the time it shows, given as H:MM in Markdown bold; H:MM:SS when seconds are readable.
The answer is **2:21:13**
